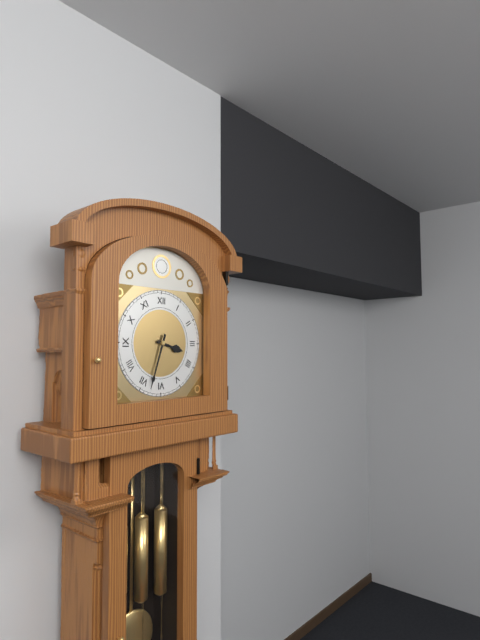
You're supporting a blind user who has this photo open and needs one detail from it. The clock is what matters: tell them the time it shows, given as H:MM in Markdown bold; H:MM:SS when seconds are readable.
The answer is **3:33**
